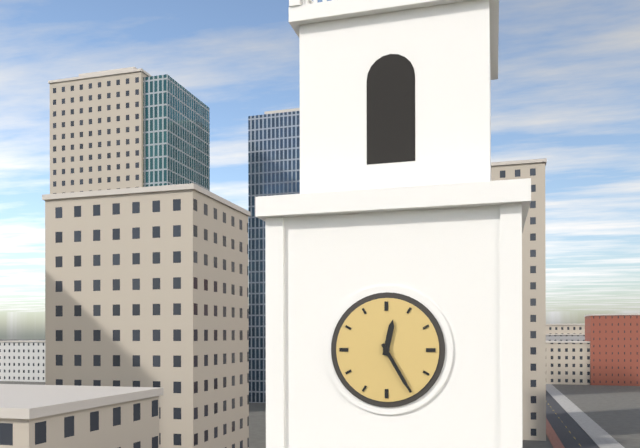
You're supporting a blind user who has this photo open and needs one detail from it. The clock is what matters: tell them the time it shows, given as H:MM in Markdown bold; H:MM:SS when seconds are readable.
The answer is **12:25**
